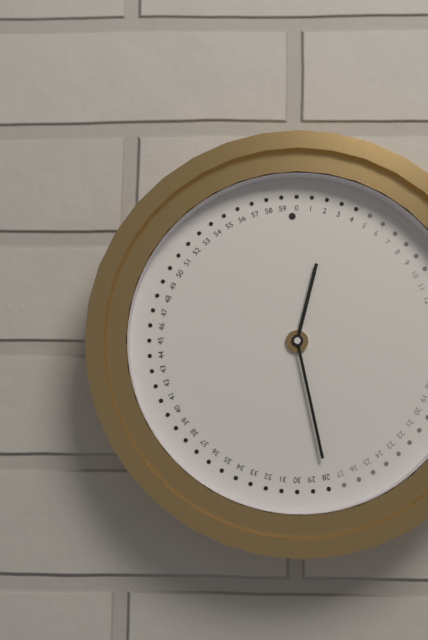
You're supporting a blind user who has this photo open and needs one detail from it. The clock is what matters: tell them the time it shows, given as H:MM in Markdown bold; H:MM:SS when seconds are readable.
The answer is **12:28**
